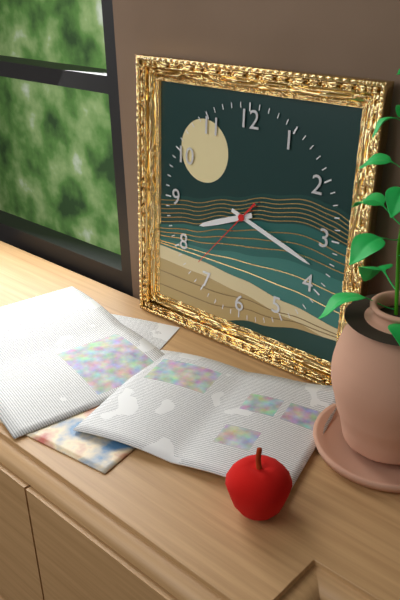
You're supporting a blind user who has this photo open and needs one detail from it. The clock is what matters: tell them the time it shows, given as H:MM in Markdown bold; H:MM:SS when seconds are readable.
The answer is **8:18:37**
